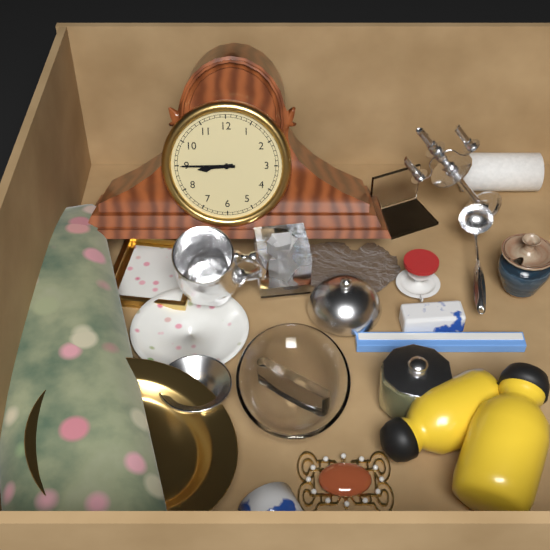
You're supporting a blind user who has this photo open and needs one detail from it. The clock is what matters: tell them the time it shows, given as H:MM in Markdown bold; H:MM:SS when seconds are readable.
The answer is **8:45**
